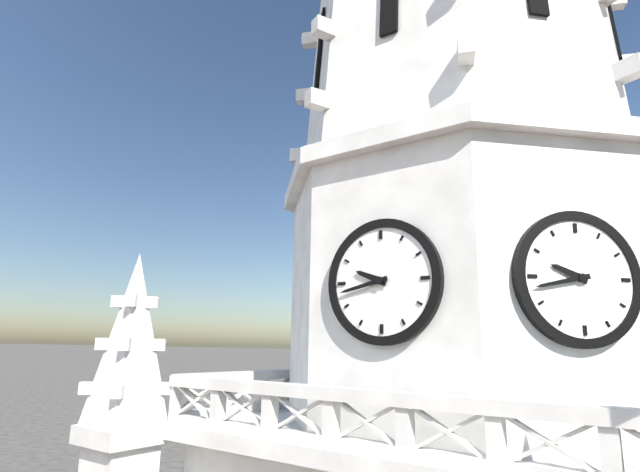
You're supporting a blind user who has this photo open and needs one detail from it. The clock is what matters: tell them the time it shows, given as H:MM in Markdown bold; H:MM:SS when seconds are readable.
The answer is **9:43**
